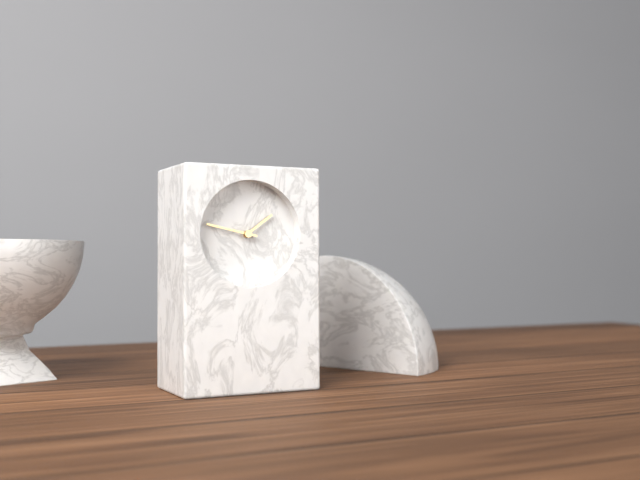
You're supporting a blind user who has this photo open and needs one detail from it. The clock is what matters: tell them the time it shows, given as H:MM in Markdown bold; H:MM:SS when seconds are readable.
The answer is **1:47**
